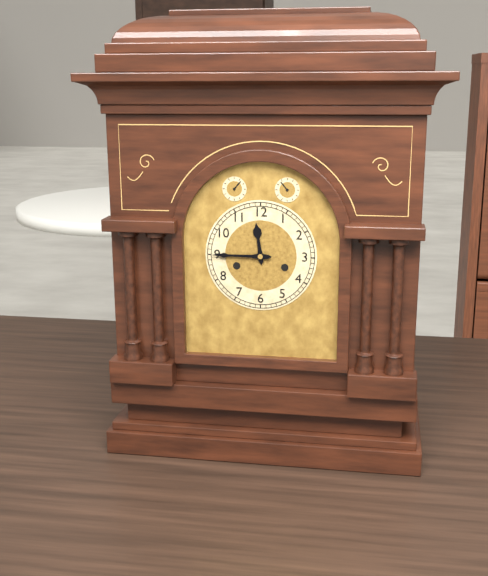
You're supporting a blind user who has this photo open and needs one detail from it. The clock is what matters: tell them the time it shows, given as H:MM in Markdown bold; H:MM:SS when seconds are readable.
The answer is **11:45**
